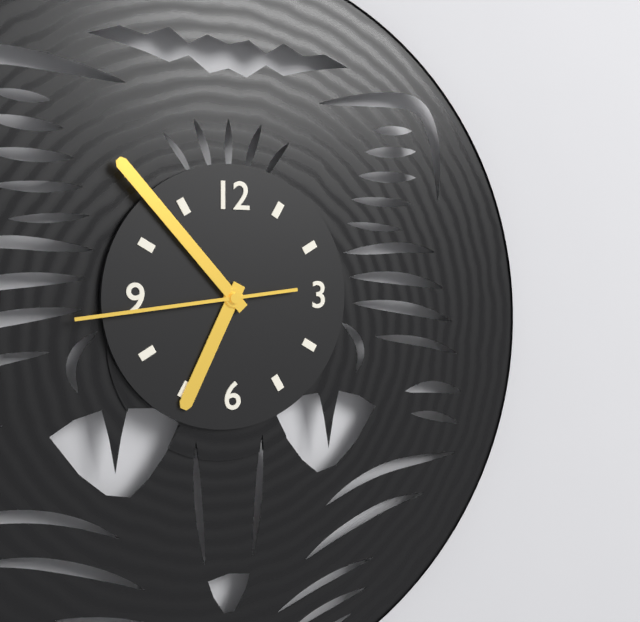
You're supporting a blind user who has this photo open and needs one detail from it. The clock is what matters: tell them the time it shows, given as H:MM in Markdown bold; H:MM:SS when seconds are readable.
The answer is **6:53:44**
